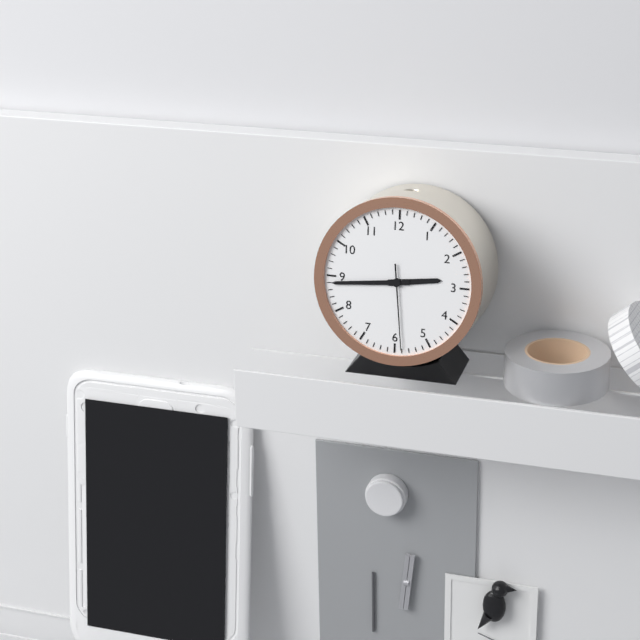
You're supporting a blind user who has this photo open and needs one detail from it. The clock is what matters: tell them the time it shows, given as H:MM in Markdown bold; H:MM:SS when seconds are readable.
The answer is **2:44:29**
